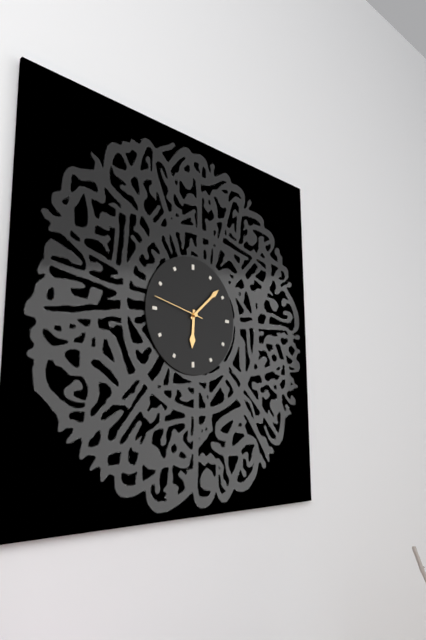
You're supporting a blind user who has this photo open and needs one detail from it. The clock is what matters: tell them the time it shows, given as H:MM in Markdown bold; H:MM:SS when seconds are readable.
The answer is **6:08:47**
